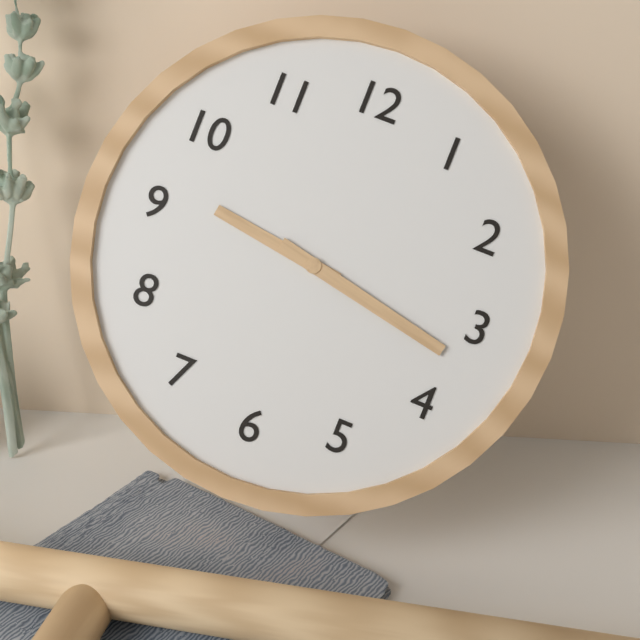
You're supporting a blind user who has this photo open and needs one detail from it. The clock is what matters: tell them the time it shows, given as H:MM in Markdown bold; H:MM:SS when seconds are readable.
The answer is **9:17**
